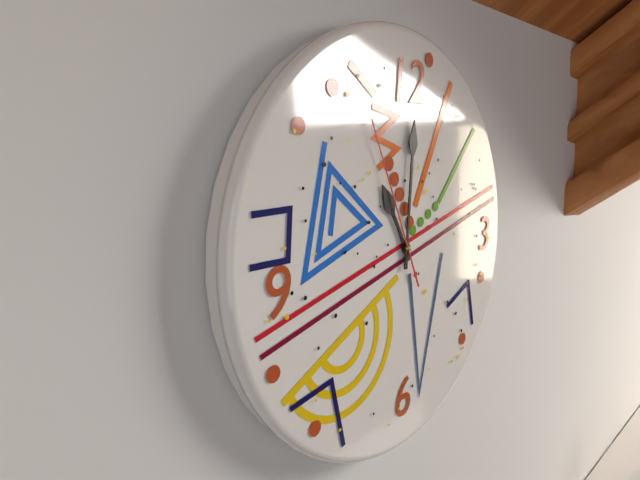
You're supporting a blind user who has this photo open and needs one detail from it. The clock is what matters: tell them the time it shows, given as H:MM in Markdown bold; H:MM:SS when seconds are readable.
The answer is **11:01:56**
